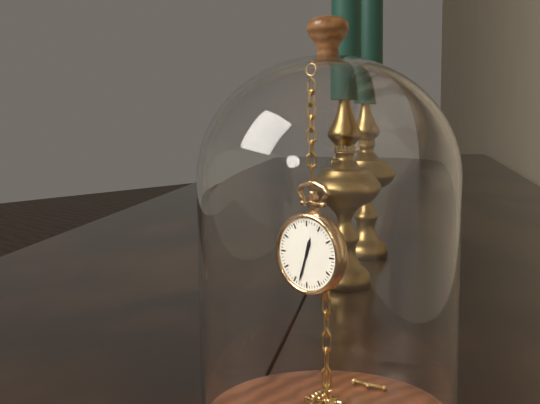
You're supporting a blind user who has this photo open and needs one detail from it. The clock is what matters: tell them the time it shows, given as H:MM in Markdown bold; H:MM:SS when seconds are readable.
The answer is **12:33**
